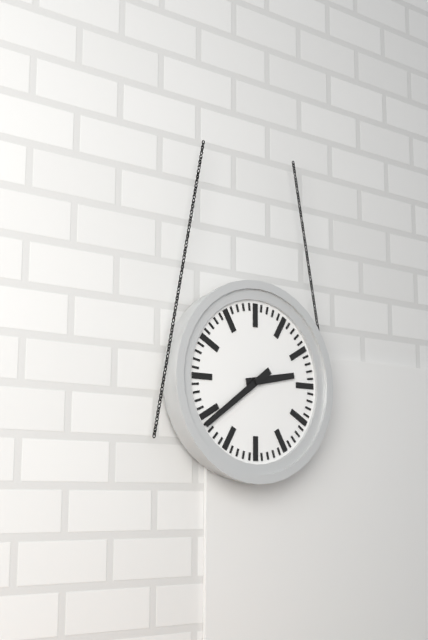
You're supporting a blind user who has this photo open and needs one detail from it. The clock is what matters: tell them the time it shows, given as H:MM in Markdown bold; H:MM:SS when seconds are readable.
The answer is **2:39**
